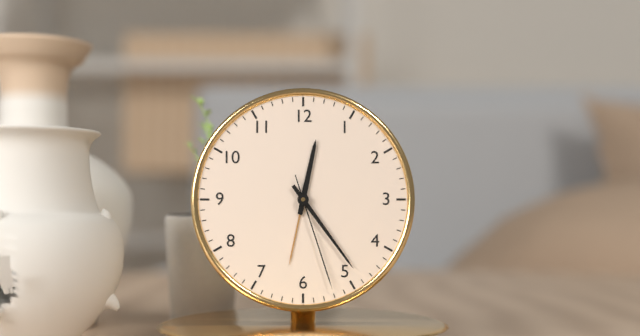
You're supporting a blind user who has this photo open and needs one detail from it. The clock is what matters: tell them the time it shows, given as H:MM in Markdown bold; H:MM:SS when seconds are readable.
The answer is **12:24:27**
